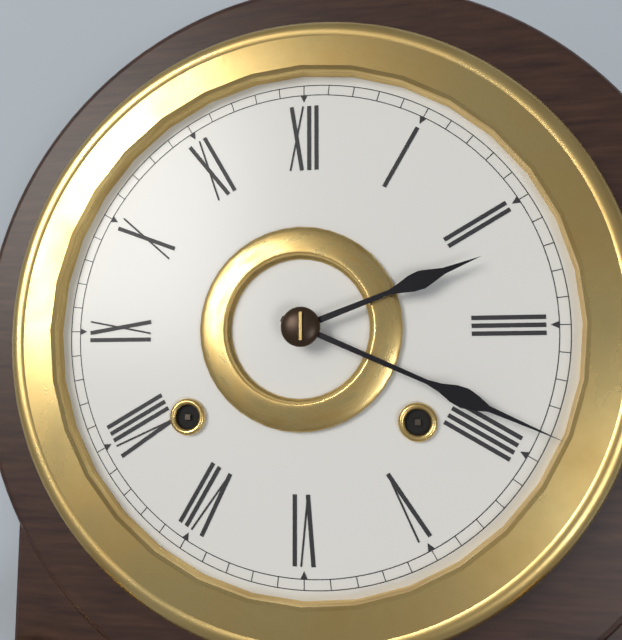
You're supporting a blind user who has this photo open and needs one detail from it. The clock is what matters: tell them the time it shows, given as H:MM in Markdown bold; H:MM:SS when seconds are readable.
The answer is **2:19**
